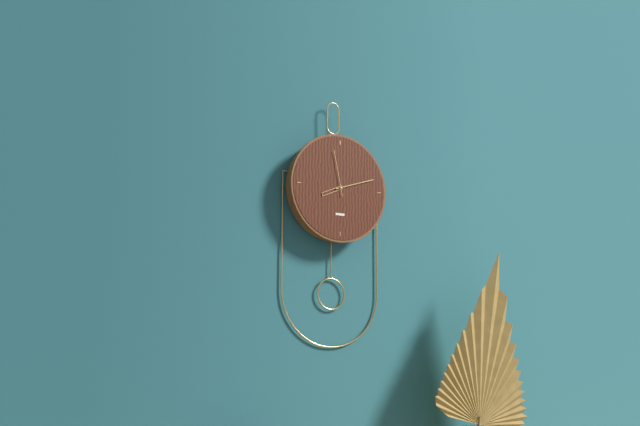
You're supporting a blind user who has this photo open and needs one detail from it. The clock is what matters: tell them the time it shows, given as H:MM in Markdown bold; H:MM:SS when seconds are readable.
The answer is **8:12**
